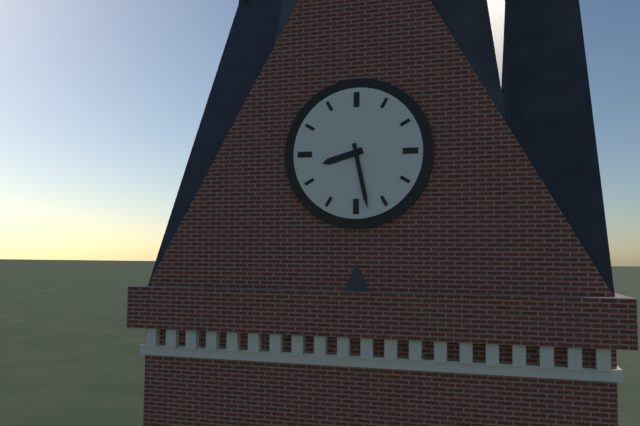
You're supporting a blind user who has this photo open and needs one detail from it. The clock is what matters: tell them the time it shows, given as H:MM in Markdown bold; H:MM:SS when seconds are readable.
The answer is **8:28**
